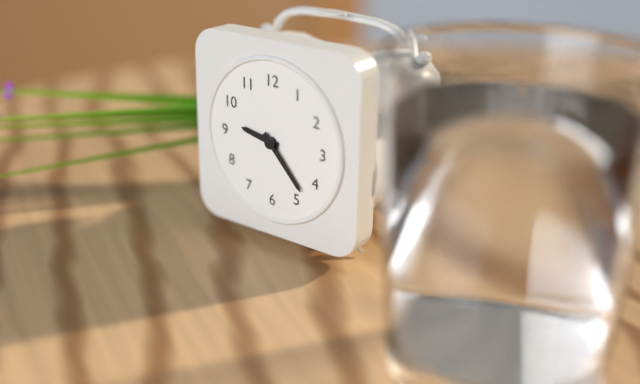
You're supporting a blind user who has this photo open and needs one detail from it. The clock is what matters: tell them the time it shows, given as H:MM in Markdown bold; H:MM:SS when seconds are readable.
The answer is **9:23**
